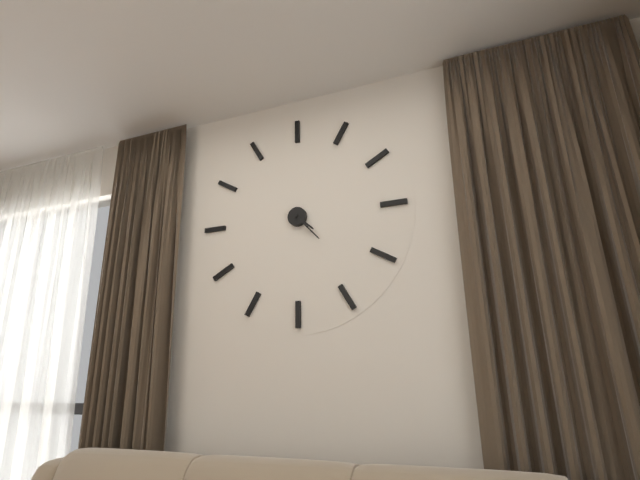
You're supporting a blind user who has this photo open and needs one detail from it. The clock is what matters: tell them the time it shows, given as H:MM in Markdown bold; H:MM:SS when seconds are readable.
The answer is **4:23**
